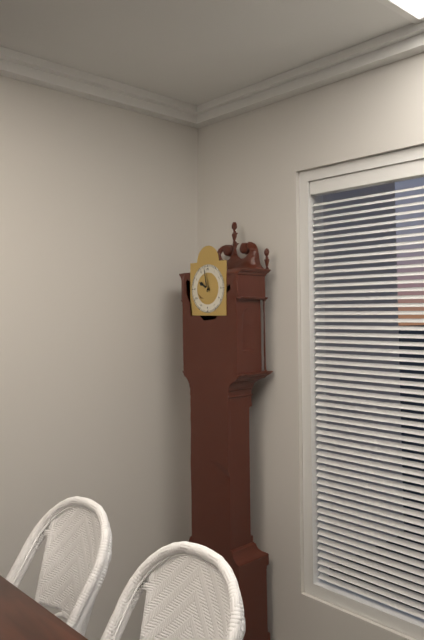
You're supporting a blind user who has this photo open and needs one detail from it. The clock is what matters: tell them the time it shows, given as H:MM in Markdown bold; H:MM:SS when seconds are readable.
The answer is **9:58**
